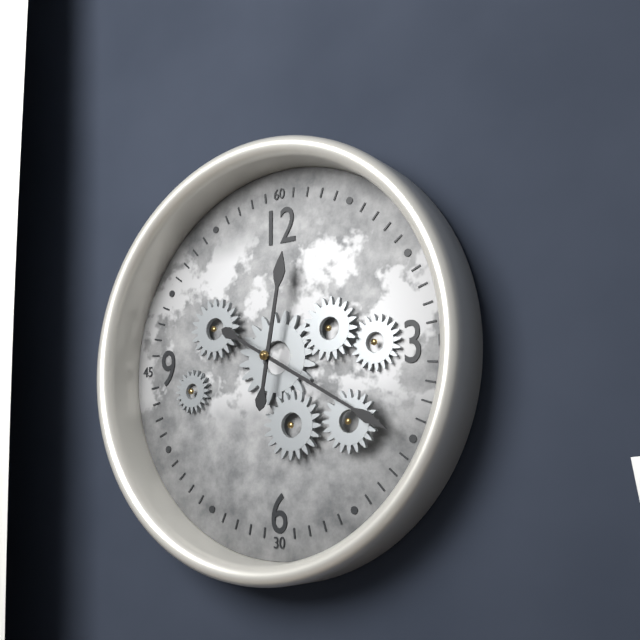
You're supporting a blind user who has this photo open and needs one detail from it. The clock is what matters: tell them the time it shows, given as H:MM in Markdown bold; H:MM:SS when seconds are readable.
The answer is **12:20**
